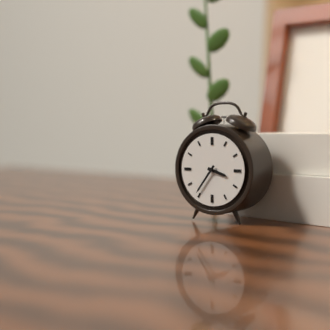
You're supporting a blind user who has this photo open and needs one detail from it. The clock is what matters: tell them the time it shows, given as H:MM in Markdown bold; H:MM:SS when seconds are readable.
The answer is **3:36**
